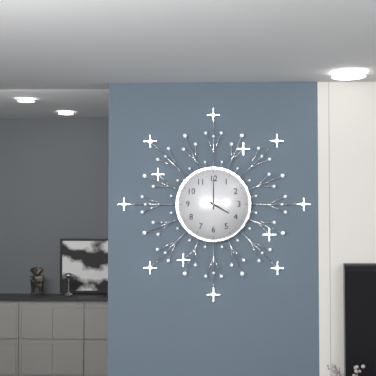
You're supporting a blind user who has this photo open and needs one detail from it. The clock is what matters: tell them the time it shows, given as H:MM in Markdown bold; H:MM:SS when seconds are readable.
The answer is **4:00**
